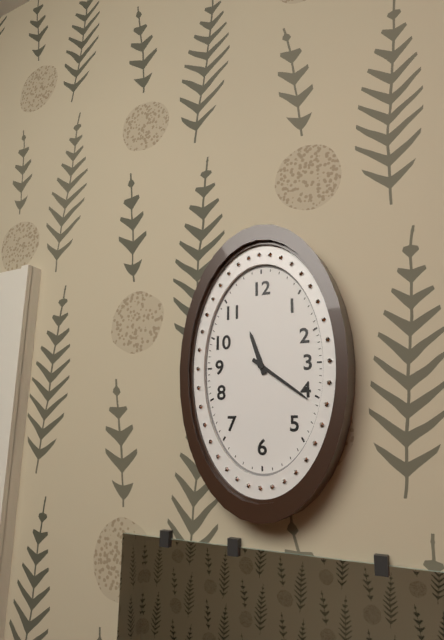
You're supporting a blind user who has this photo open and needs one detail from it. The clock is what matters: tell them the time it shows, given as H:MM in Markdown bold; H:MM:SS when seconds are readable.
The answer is **11:21**
